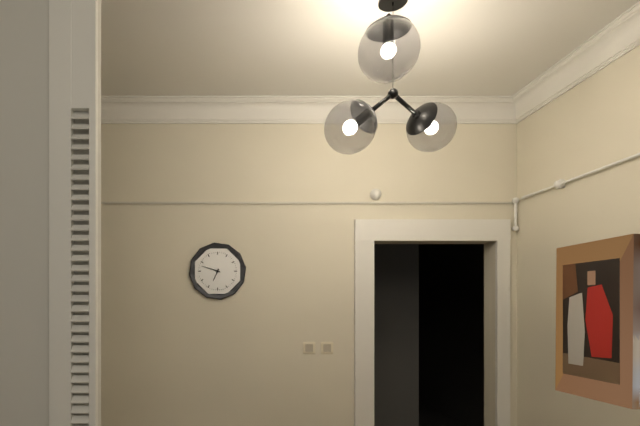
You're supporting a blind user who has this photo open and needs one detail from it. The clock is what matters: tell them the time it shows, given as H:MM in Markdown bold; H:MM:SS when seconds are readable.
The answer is **6:48**
